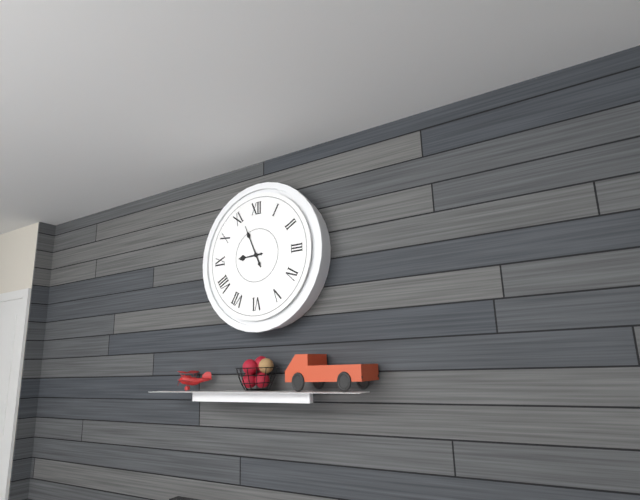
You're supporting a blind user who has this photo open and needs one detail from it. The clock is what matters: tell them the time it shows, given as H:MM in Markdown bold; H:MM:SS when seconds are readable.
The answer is **8:56**
